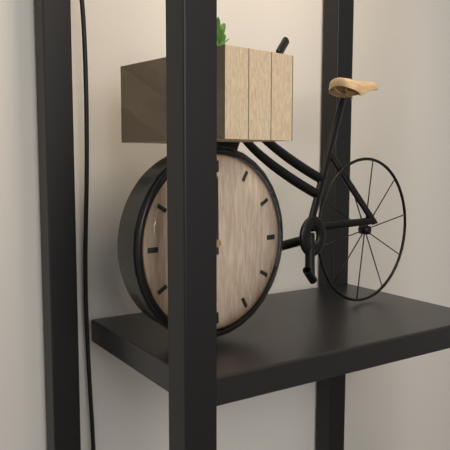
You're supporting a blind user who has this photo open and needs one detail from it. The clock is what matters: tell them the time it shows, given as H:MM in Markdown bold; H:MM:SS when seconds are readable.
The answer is **12:00**
